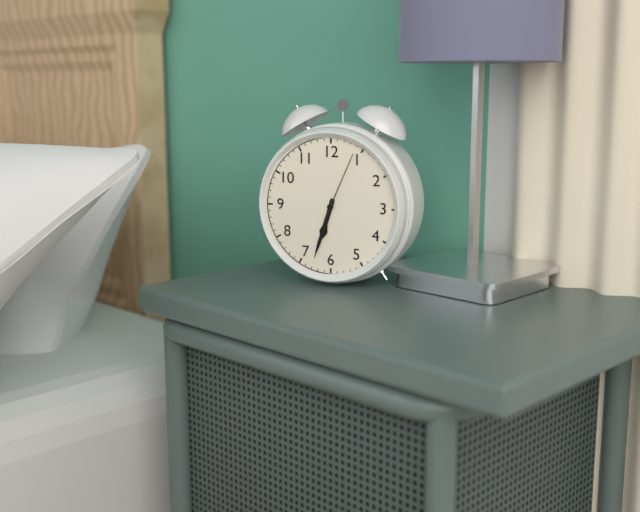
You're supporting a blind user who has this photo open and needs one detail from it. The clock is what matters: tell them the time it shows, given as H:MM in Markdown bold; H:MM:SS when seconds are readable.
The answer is **6:33:04**
